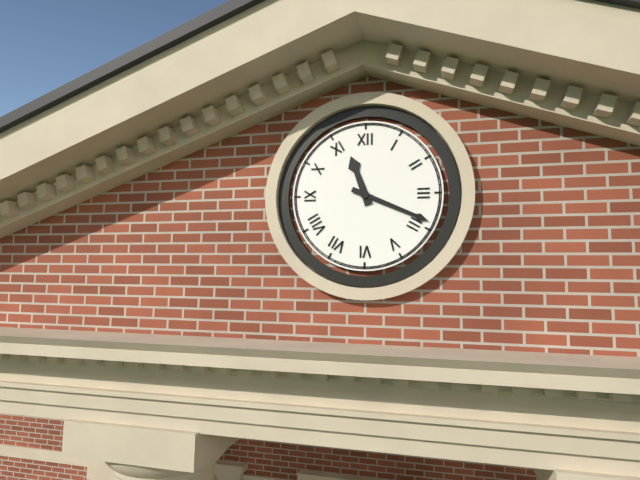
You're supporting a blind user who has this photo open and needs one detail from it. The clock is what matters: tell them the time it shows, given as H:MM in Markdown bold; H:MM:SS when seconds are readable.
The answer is **11:19**
